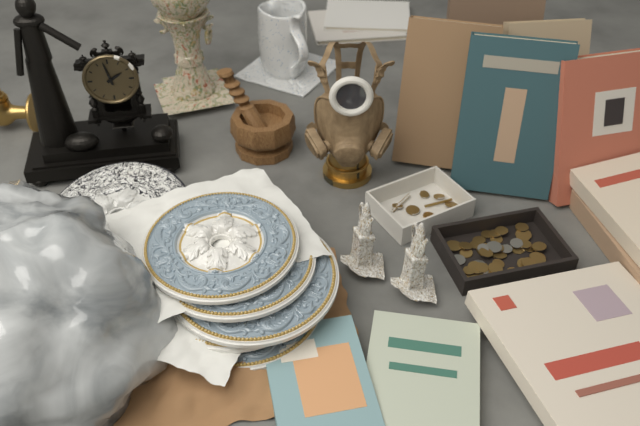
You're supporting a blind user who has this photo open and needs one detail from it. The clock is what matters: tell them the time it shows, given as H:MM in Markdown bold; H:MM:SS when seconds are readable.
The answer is **1:58**
